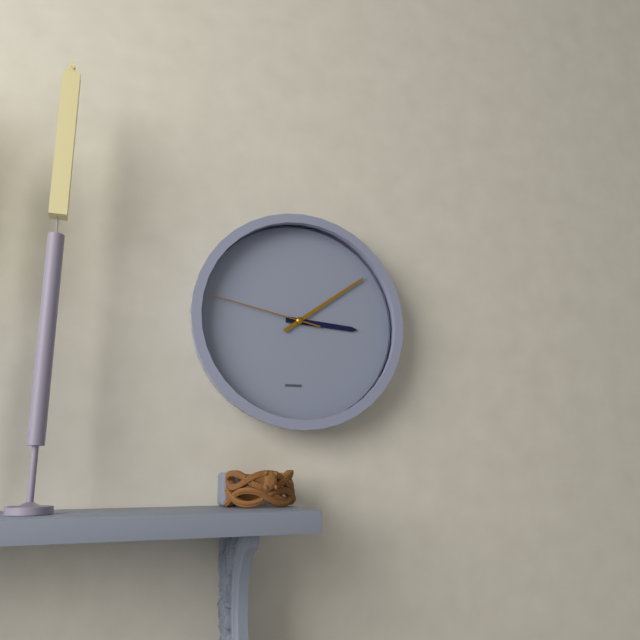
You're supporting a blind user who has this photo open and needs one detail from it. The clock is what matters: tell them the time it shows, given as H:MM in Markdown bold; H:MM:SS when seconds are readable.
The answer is **3:09:47**
